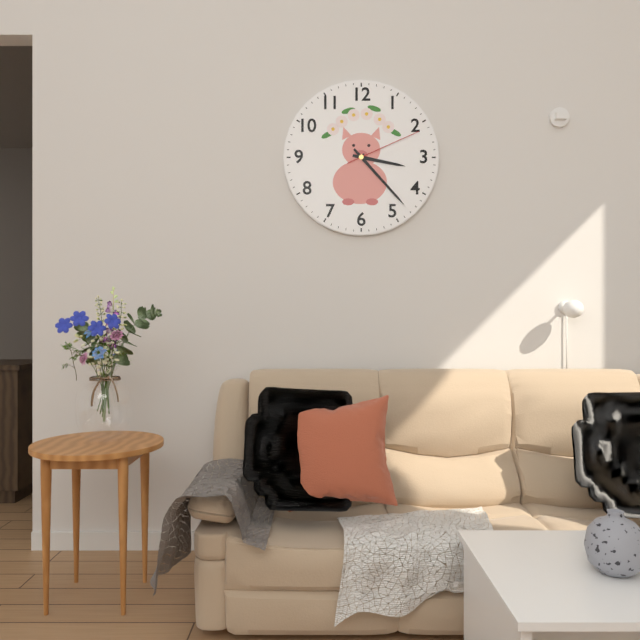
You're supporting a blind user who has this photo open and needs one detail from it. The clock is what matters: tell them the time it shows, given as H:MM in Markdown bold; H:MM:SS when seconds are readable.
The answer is **3:23:11**
